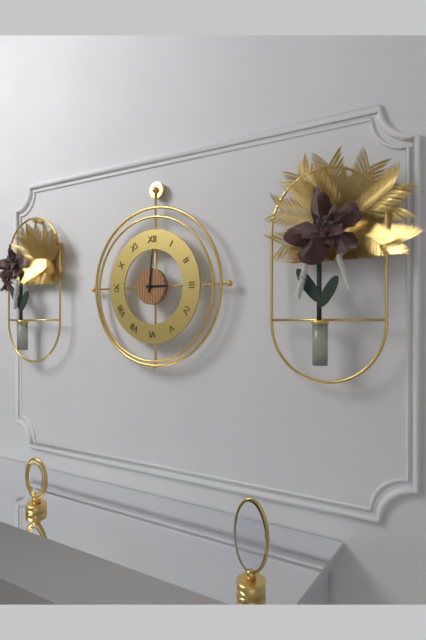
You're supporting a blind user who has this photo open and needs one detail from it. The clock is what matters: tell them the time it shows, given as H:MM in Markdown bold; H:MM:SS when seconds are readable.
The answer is **3:01**
